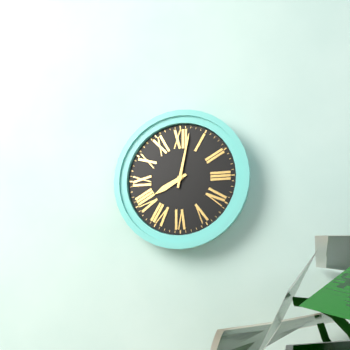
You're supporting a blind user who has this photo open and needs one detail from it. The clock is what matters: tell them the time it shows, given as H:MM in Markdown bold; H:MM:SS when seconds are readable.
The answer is **8:02**
